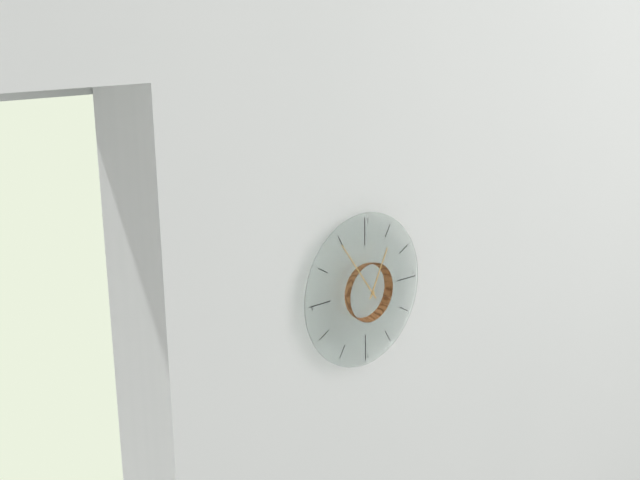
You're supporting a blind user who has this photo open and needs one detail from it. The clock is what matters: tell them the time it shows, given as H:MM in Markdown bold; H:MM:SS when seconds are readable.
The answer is **12:54**
